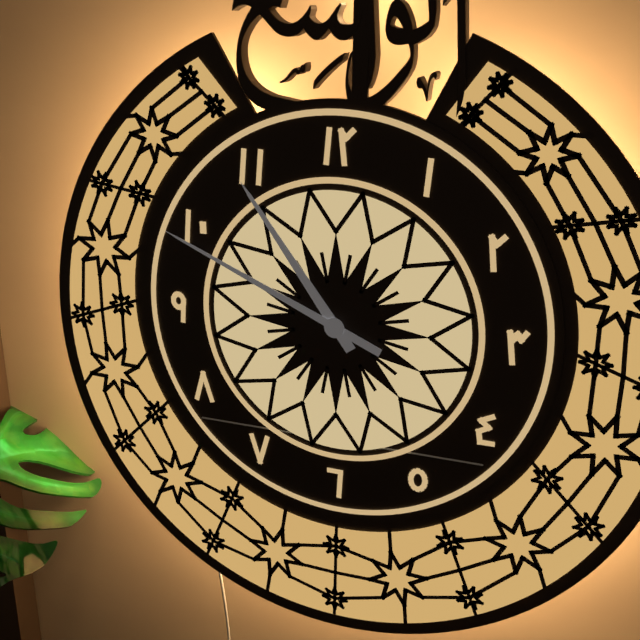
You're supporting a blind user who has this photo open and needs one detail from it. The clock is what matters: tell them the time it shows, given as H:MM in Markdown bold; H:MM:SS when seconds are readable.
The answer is **10:49**
